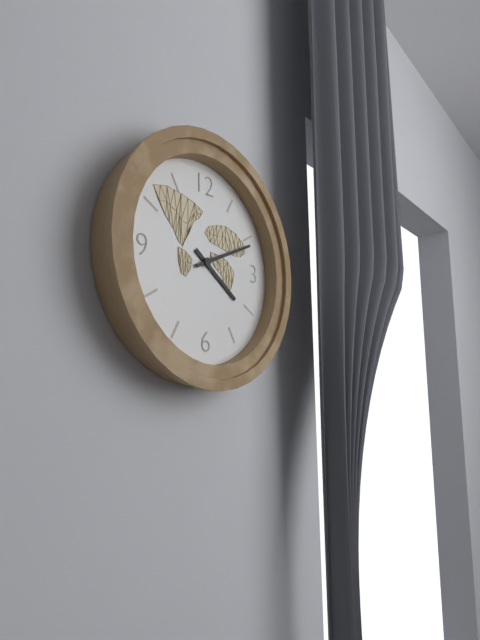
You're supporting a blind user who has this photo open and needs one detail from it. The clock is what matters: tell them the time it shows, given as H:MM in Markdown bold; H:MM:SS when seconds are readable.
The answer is **4:11**
